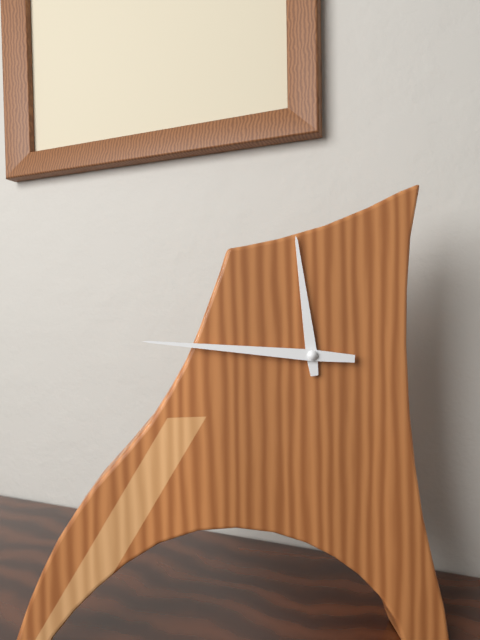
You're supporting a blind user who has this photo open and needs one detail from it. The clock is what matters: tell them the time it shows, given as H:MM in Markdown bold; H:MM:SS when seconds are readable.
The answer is **11:46**
